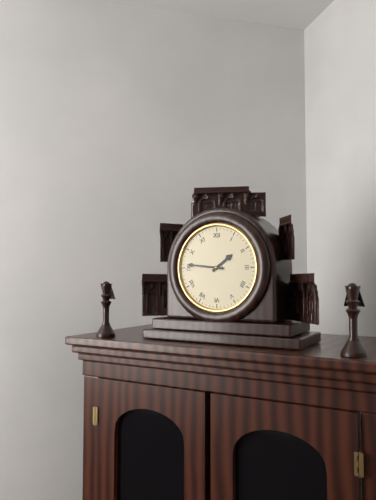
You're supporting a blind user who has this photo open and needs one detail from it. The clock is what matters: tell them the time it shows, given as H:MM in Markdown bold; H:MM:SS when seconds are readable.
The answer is **1:46**
